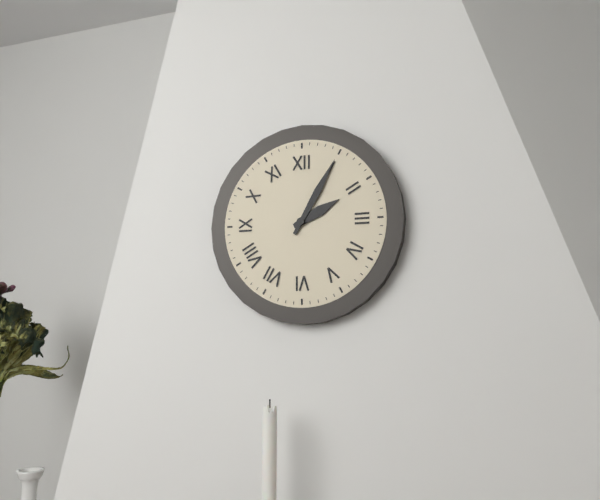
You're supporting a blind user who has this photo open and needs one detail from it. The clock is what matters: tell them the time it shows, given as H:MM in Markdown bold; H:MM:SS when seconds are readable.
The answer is **2:05**
